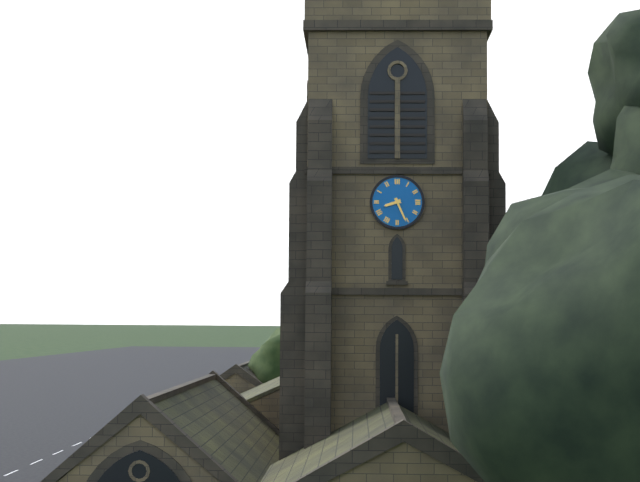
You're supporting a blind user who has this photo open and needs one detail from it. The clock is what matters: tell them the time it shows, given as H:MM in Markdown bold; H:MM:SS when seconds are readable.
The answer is **8:26**
